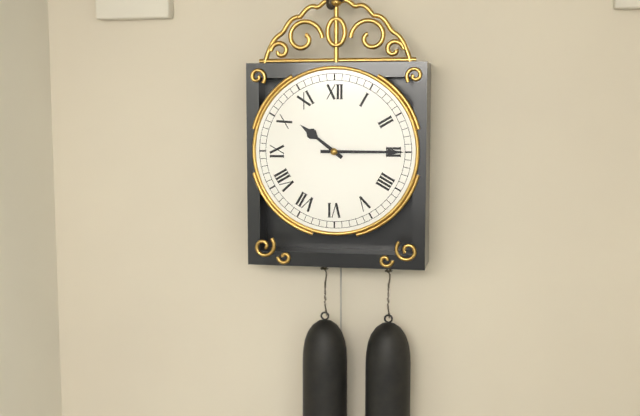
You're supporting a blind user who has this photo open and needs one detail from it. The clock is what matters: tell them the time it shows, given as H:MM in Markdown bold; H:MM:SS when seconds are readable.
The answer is **10:15**
